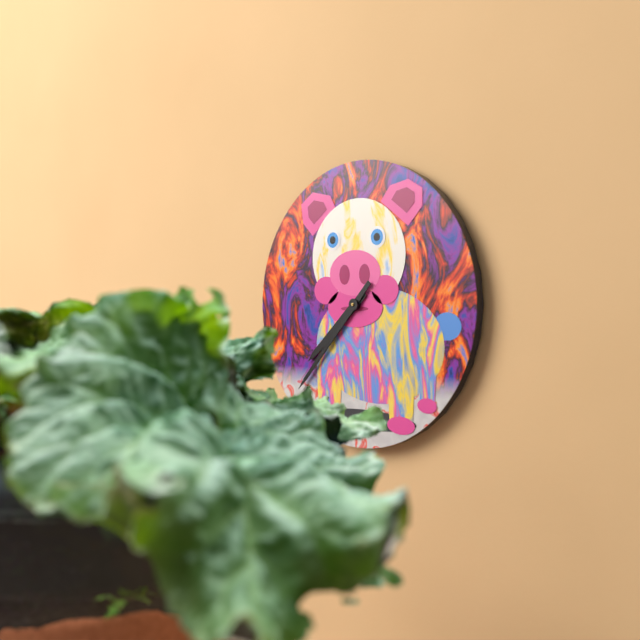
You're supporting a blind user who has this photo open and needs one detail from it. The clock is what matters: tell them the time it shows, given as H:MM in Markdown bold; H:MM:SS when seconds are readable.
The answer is **7:37**
